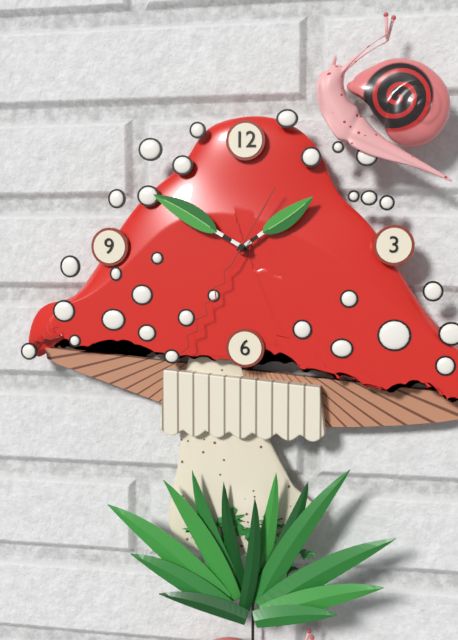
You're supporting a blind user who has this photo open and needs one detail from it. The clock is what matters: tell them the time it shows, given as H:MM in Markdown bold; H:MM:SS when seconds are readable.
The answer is **1:50:35**
